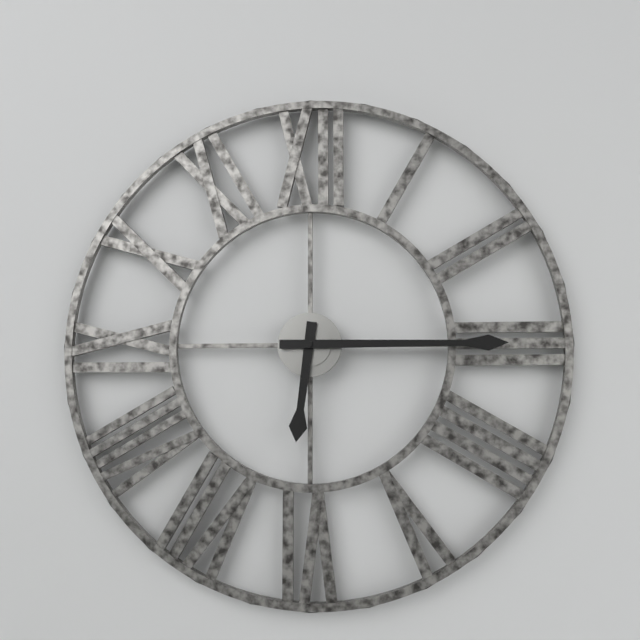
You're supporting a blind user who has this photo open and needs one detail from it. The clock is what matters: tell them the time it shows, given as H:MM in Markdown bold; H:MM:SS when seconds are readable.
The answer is **6:15**
